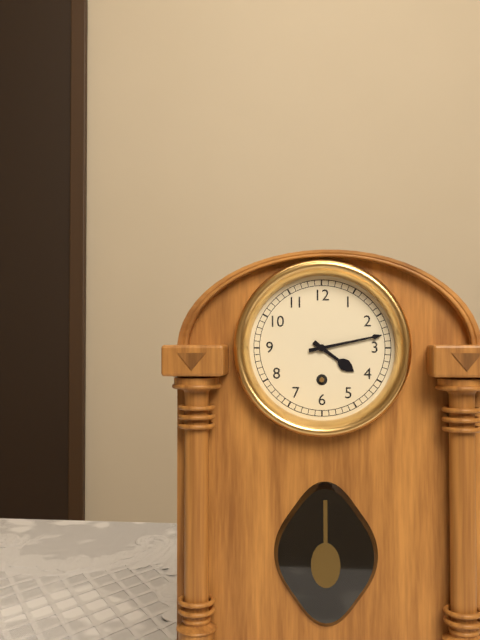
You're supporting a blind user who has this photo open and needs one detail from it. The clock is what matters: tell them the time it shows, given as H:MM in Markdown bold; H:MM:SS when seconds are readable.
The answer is **4:13**
